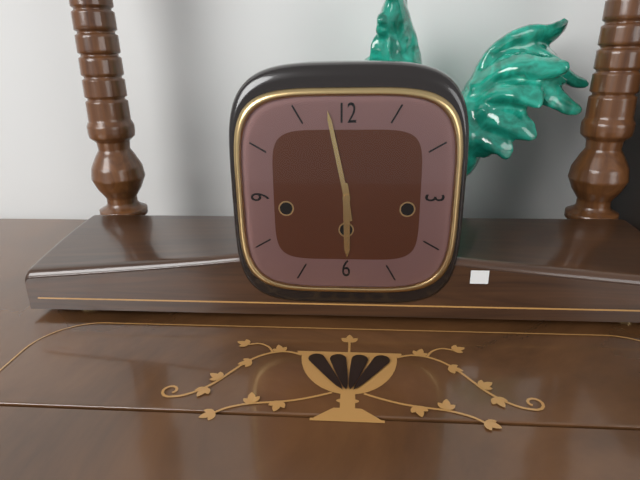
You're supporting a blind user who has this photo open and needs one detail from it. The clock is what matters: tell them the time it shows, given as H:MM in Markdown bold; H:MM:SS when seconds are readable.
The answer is **5:58**
